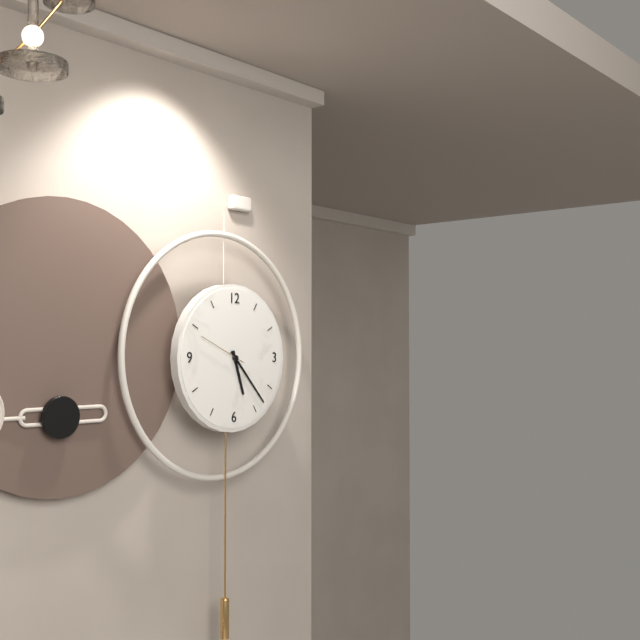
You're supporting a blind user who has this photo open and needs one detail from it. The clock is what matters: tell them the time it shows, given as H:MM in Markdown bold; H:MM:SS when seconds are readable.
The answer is **5:23:49**
